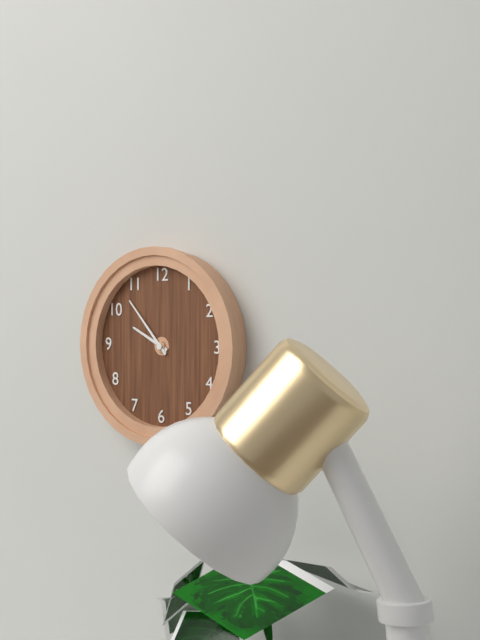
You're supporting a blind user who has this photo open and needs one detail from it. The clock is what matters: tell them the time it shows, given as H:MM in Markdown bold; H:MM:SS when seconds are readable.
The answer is **9:53**
